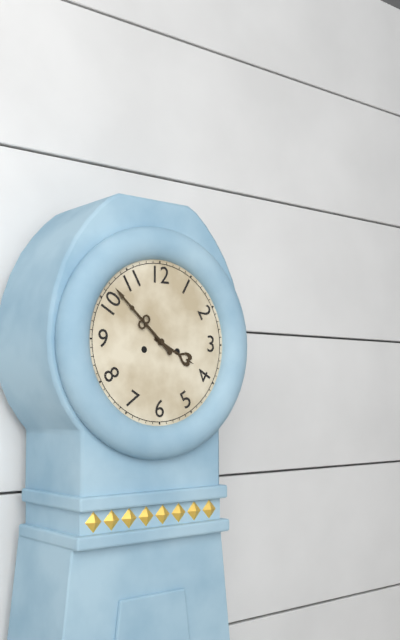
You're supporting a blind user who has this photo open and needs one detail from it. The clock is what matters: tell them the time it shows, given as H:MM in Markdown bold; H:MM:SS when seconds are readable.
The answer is **3:52**
